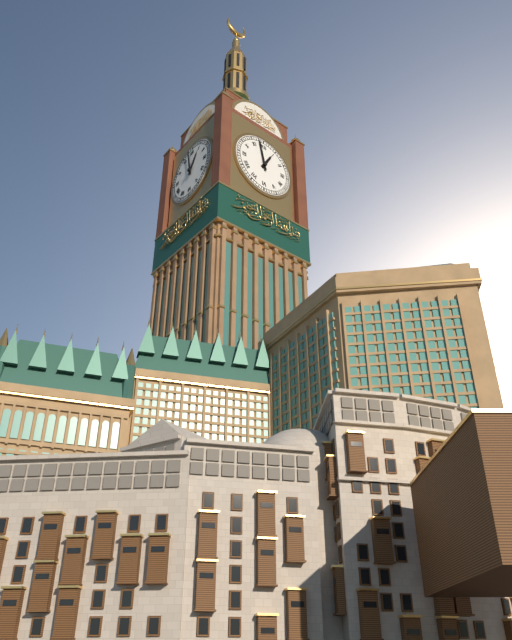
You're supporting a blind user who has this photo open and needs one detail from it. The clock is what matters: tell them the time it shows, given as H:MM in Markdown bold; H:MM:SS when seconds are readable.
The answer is **12:58**
